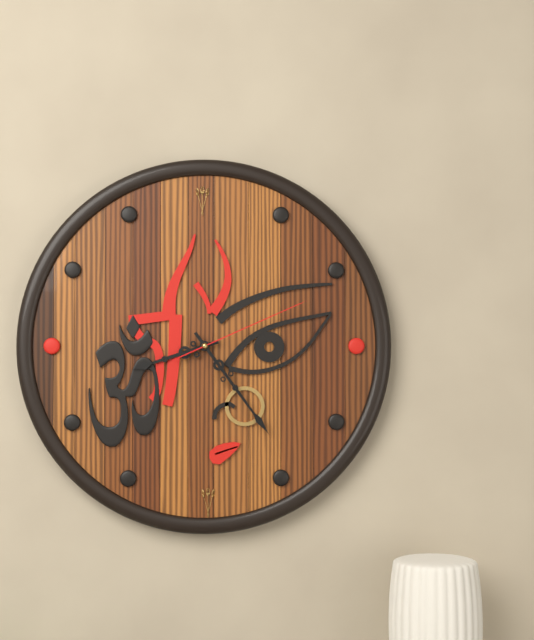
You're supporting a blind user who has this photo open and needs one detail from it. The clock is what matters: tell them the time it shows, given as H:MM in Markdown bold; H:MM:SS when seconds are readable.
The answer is **8:24:11**
